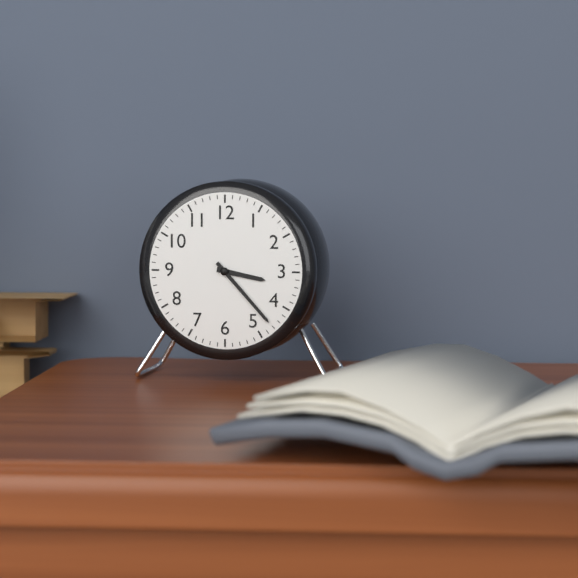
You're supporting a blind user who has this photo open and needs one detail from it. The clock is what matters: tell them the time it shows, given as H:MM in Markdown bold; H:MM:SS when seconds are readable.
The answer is **3:23**
